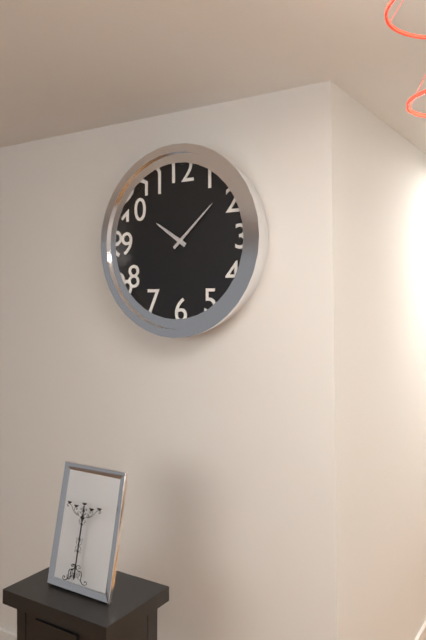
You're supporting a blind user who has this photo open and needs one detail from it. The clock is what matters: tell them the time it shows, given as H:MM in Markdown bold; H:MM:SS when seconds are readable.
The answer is **10:08**
